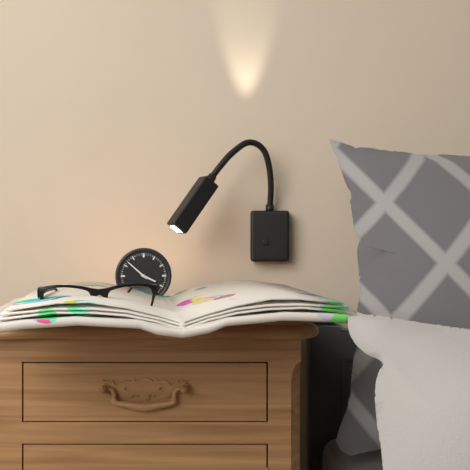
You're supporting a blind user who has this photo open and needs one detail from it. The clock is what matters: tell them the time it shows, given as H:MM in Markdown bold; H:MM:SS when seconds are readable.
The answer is **3:52**
